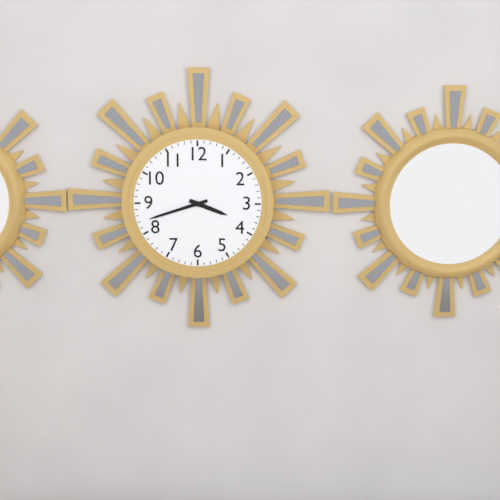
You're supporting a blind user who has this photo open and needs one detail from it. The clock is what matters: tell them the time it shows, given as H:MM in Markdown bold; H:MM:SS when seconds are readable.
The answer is **3:42**
